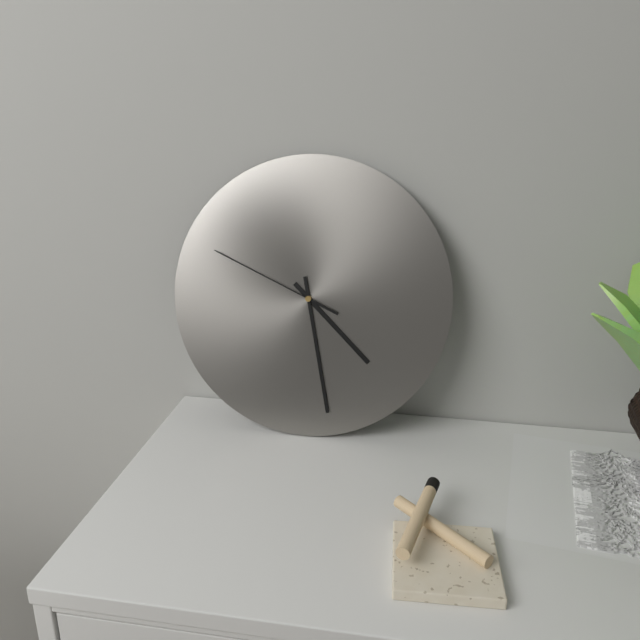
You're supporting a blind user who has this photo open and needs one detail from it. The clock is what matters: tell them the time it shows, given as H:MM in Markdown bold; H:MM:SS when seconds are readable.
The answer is **4:28:49**
